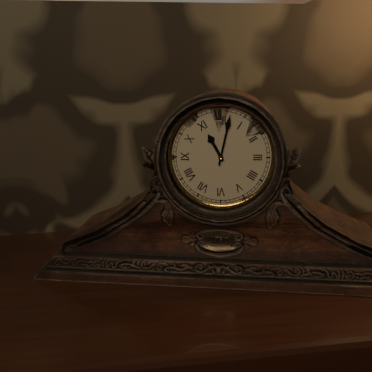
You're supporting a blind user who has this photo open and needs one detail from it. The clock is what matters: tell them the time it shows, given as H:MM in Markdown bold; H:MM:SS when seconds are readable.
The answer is **11:02**
